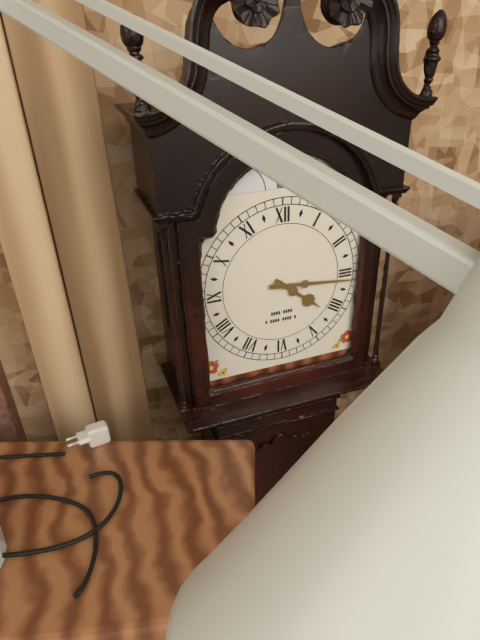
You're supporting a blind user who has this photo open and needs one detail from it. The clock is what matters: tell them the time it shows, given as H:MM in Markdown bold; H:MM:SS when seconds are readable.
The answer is **4:16**
